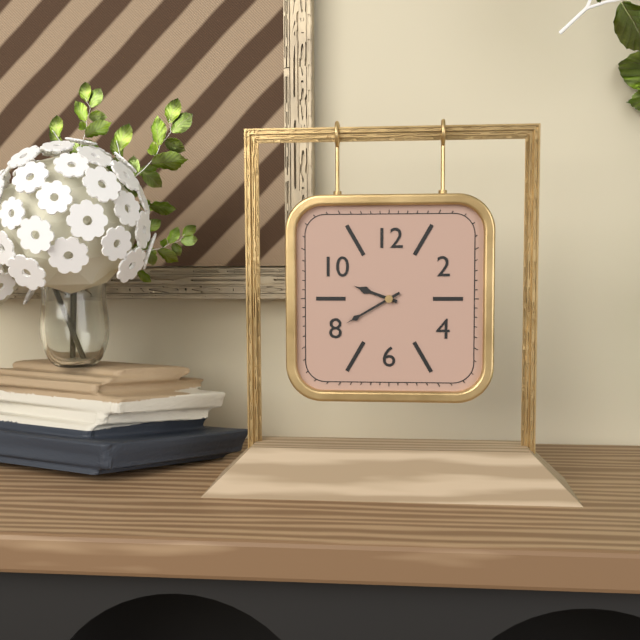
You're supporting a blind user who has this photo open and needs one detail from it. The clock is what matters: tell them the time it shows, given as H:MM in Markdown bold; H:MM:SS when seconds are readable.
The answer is **9:40**
